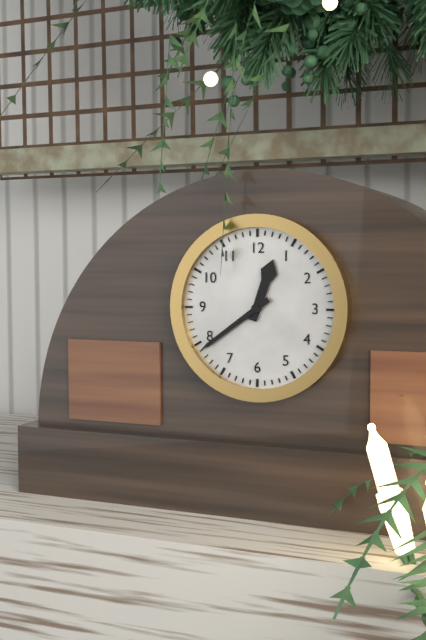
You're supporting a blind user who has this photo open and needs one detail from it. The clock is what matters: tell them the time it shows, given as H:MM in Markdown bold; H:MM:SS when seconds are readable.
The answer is **12:39**
